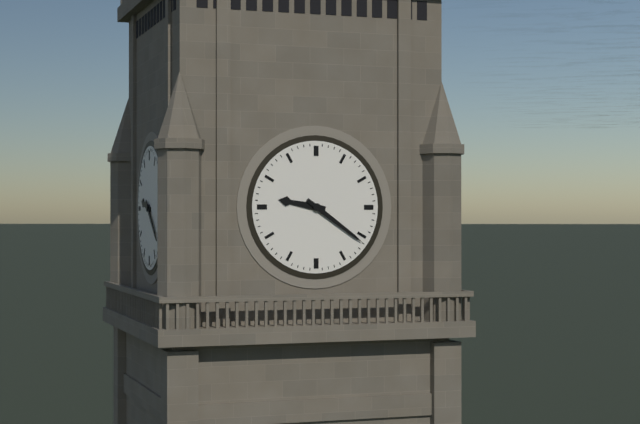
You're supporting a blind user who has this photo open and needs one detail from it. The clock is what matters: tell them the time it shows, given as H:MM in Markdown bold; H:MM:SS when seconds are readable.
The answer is **9:21**
